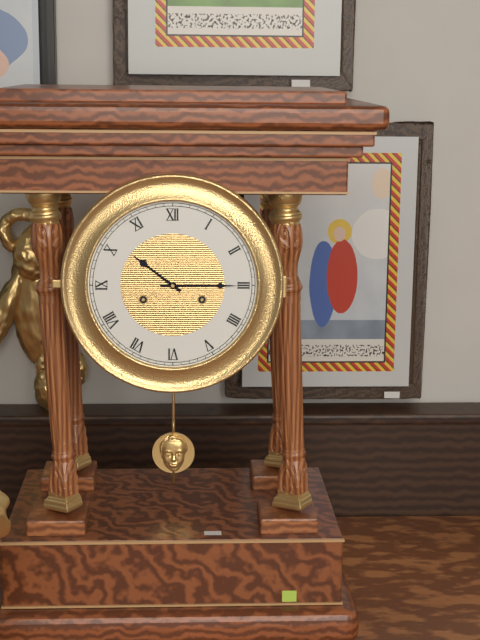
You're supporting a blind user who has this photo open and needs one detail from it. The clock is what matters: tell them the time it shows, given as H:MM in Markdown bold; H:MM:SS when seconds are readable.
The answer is **10:15**
